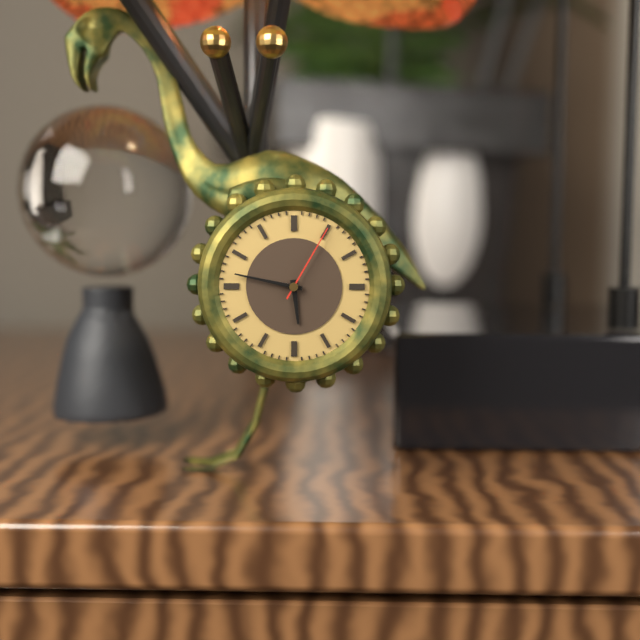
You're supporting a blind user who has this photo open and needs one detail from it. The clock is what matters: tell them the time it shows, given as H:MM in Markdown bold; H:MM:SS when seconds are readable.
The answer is **5:47:05**
